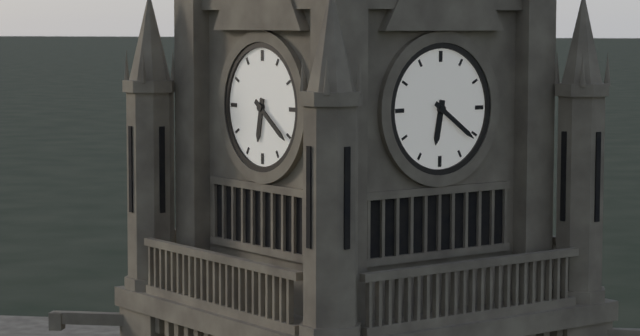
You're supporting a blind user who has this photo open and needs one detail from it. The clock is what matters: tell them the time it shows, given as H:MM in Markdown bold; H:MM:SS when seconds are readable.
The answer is **6:21**
